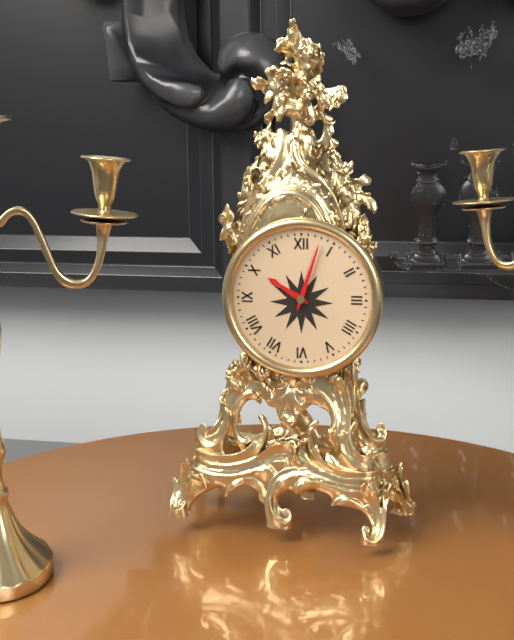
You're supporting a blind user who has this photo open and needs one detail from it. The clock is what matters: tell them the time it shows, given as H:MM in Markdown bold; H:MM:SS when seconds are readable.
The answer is **10:03**
